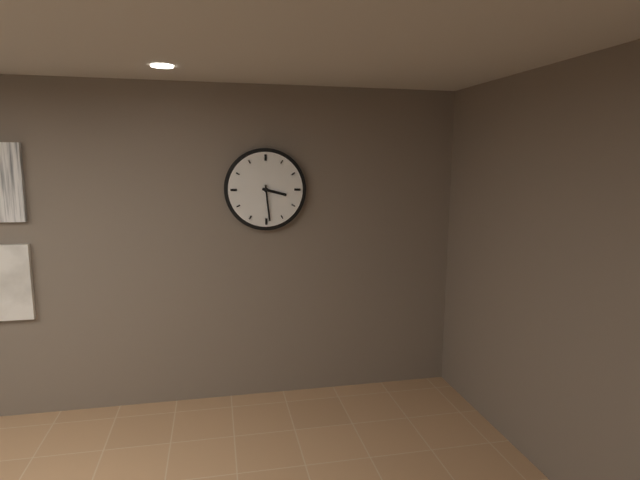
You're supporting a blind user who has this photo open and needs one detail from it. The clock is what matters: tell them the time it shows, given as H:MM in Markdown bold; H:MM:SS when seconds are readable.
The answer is **3:29**
